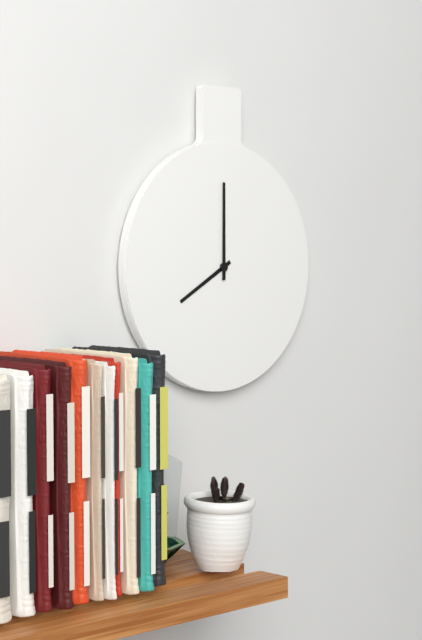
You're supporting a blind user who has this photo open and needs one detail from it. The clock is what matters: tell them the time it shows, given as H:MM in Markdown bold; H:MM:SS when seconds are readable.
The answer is **8:00**
